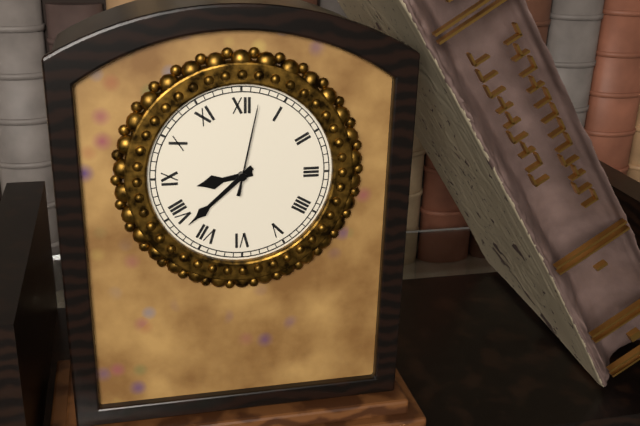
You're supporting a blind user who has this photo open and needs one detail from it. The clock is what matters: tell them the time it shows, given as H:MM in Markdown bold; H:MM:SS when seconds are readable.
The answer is **8:38:02**
